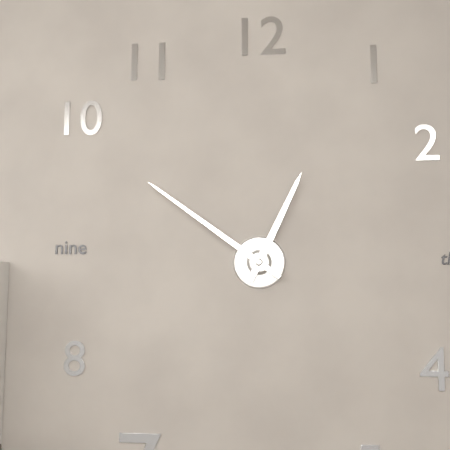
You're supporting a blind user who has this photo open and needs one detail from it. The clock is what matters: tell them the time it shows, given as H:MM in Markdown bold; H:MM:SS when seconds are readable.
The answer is **12:51**
